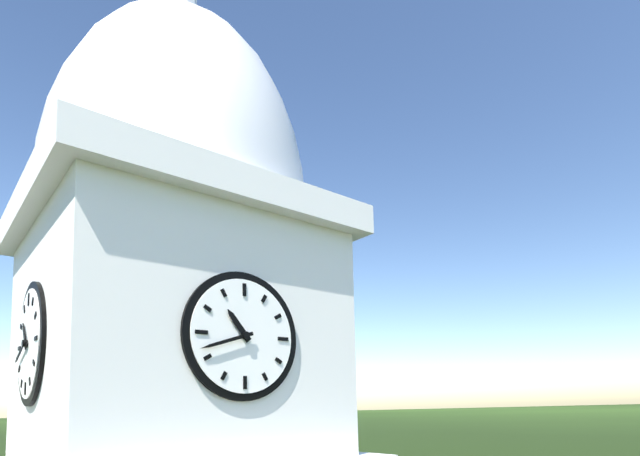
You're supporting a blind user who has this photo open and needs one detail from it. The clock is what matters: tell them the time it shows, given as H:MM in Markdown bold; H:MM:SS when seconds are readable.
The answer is **10:42**
